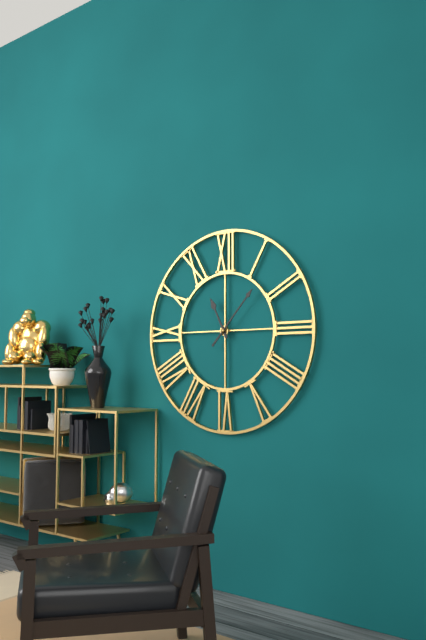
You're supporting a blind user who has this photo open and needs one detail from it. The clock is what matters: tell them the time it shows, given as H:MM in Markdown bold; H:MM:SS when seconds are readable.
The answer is **11:07**
